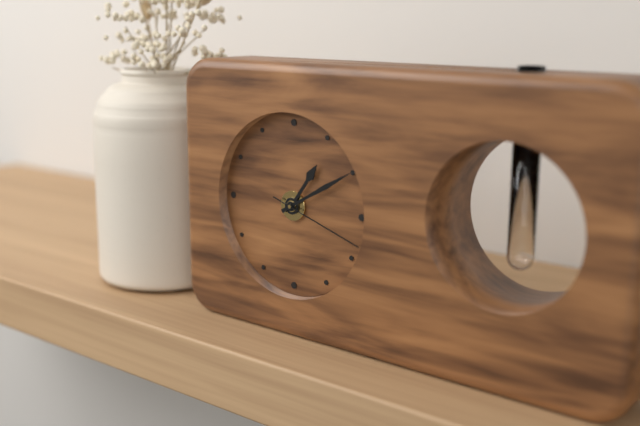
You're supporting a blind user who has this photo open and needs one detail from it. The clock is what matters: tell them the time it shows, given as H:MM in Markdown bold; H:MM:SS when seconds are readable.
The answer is **1:10:18**
